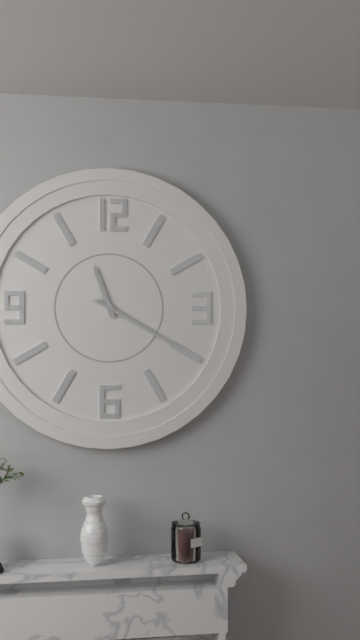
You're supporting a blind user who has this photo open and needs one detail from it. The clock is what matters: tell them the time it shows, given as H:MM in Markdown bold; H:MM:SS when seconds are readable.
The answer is **11:20**
